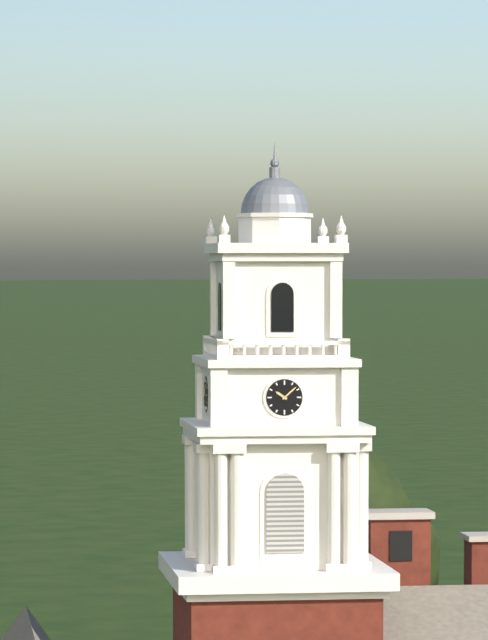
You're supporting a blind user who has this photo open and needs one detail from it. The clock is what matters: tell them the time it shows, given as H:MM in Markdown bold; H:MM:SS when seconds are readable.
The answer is **10:08**
